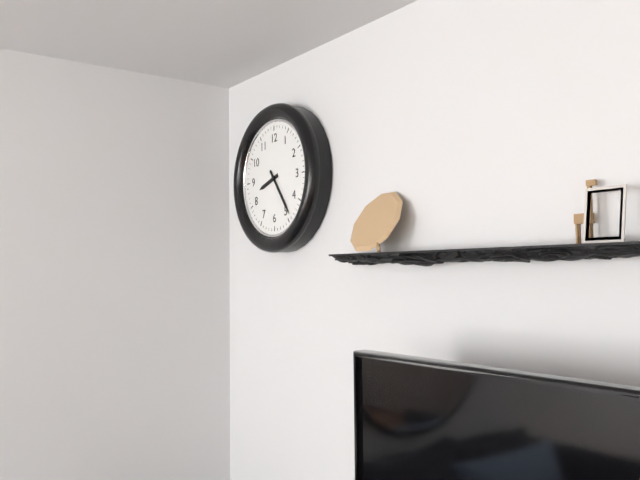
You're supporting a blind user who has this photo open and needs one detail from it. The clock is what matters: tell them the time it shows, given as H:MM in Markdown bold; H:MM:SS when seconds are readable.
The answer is **8:24**
